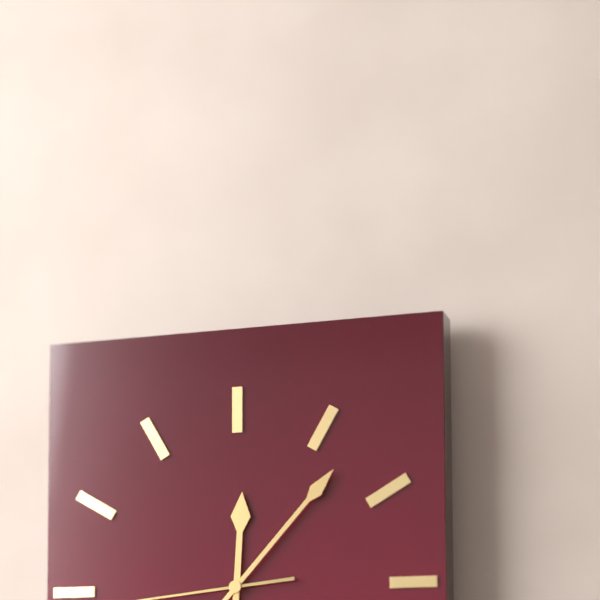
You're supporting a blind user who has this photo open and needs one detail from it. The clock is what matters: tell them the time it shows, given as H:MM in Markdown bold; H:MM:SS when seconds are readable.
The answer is **12:07**
